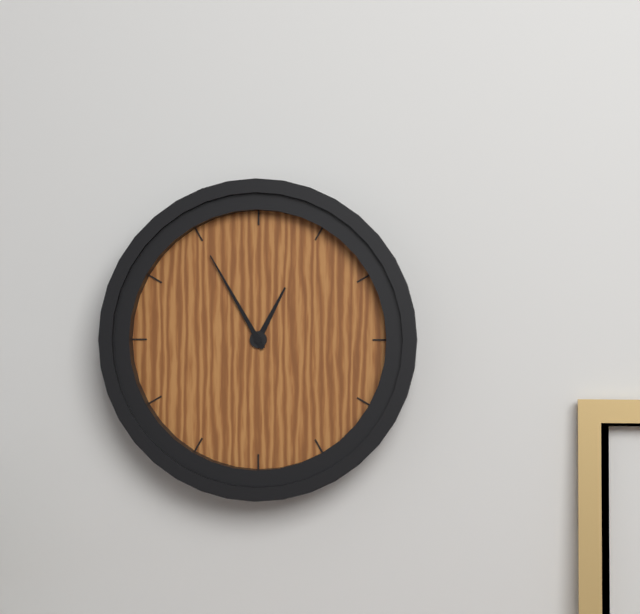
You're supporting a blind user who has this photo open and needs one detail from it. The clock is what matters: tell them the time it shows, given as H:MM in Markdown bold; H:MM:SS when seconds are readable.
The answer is **12:55**
